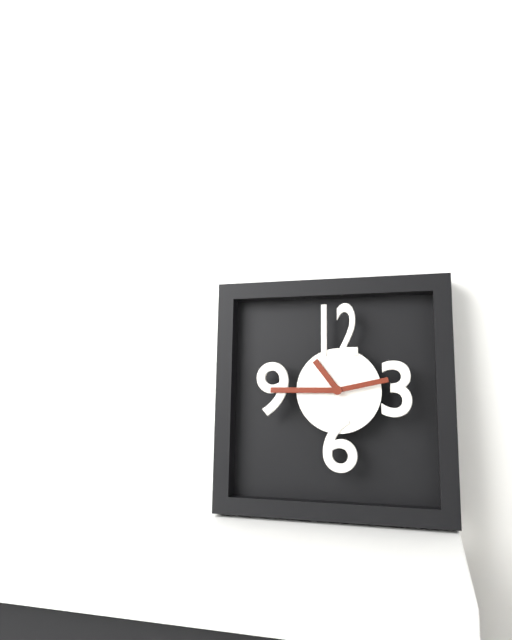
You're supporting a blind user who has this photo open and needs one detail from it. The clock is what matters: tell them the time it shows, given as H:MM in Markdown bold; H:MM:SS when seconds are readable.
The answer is **10:45:13**
